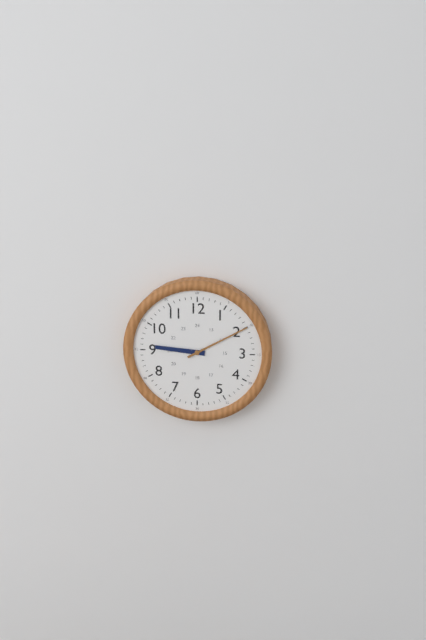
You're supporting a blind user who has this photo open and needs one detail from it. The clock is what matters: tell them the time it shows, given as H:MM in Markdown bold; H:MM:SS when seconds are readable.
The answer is **9:10**
